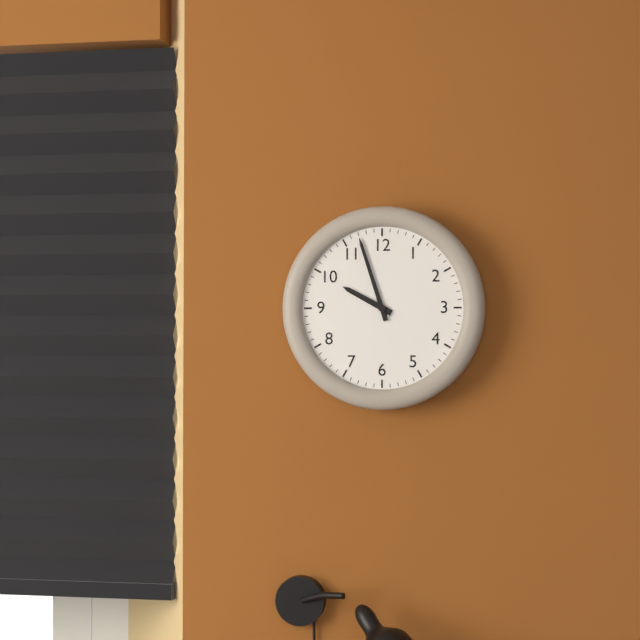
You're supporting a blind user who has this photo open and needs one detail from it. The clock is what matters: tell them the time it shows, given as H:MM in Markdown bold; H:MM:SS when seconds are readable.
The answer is **9:57**
